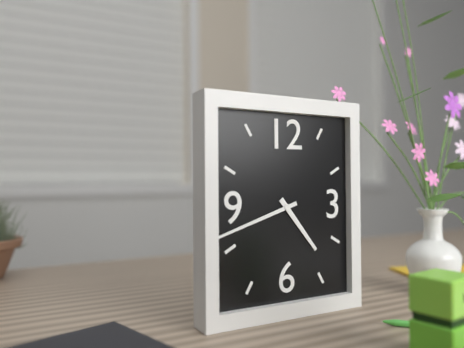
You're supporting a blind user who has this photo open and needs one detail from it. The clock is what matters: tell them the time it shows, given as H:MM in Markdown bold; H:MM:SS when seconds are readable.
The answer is **4:42**
